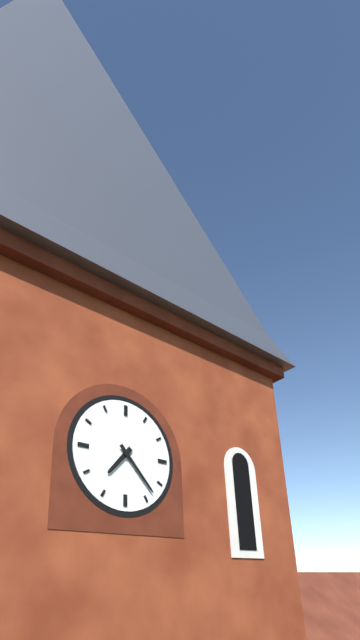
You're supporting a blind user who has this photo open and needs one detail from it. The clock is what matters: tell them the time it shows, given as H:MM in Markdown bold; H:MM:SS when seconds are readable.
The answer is **7:23**
